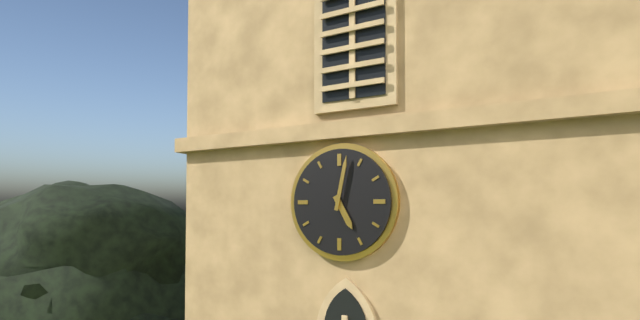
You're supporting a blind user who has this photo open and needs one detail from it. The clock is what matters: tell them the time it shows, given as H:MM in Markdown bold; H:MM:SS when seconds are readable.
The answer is **5:02**
